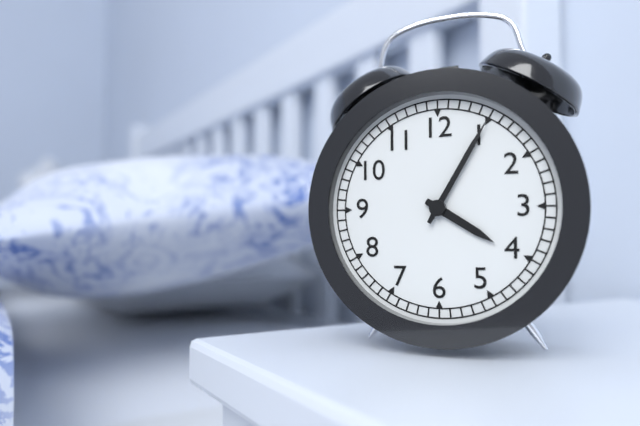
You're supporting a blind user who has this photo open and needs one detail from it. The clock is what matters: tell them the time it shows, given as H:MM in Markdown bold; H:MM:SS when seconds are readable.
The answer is **4:05**
